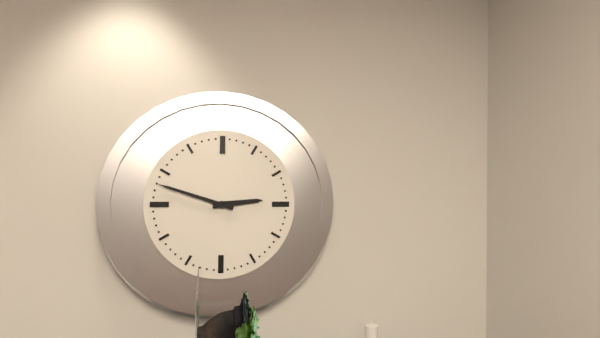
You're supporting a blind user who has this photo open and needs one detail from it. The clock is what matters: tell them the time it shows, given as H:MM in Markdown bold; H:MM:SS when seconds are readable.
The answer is **2:48**
